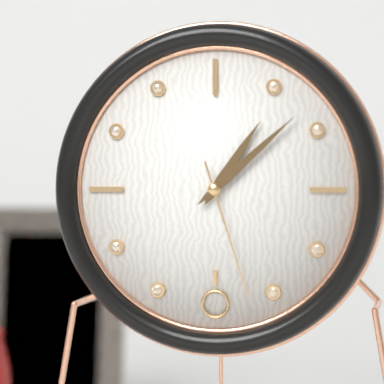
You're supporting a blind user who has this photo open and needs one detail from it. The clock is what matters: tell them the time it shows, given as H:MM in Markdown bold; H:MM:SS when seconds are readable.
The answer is **1:08:27**
